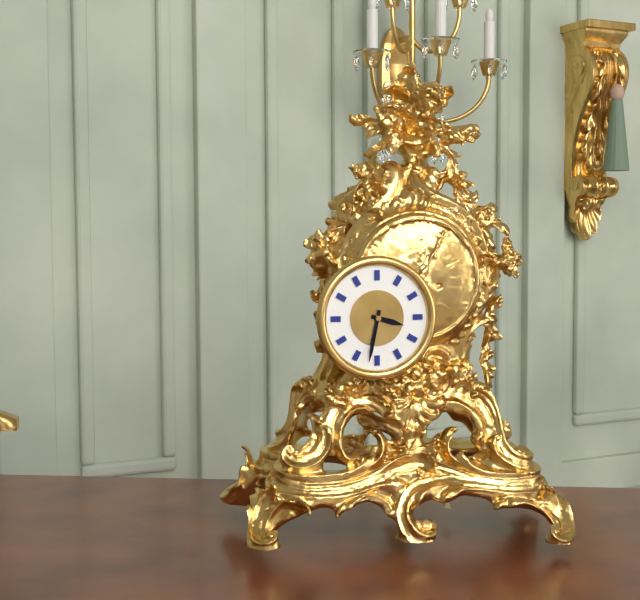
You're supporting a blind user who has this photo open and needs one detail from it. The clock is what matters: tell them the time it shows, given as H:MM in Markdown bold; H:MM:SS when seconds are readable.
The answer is **3:32**
